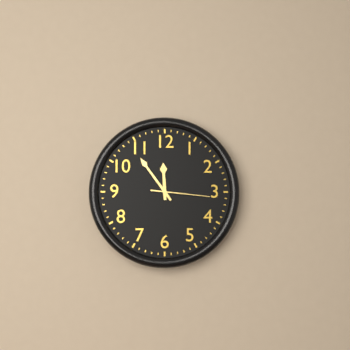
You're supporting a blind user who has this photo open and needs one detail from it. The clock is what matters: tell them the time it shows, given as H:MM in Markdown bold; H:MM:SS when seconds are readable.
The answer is **11:54:16**
